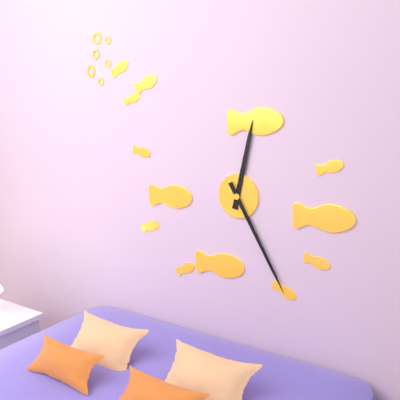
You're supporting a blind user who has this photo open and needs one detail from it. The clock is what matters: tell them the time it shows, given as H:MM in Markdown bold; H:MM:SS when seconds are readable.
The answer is **12:25**
